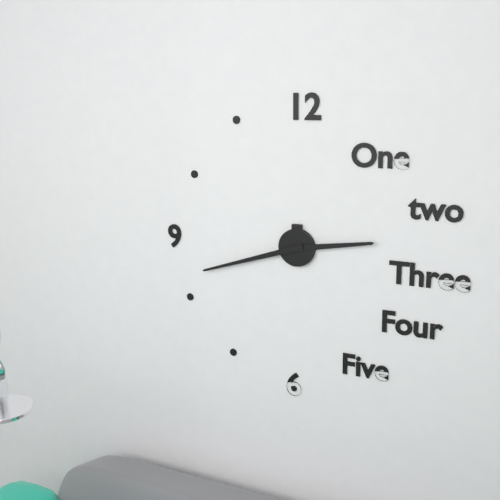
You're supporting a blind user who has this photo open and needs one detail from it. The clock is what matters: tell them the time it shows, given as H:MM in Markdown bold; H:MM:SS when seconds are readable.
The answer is **2:42**
